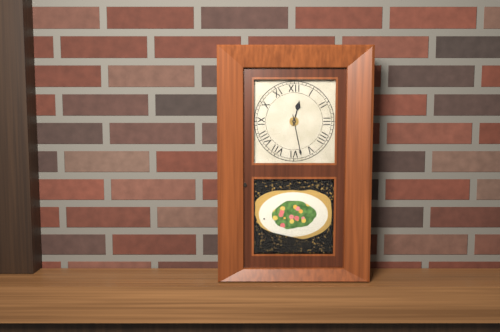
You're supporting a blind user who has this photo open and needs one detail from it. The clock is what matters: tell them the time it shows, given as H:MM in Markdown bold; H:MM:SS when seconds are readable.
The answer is **12:28**
